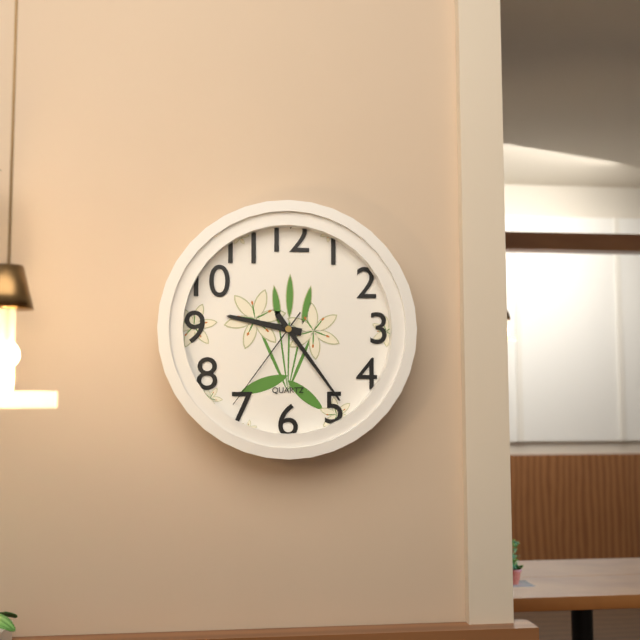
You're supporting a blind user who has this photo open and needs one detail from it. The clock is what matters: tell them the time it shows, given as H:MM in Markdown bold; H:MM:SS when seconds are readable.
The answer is **9:24:36**
